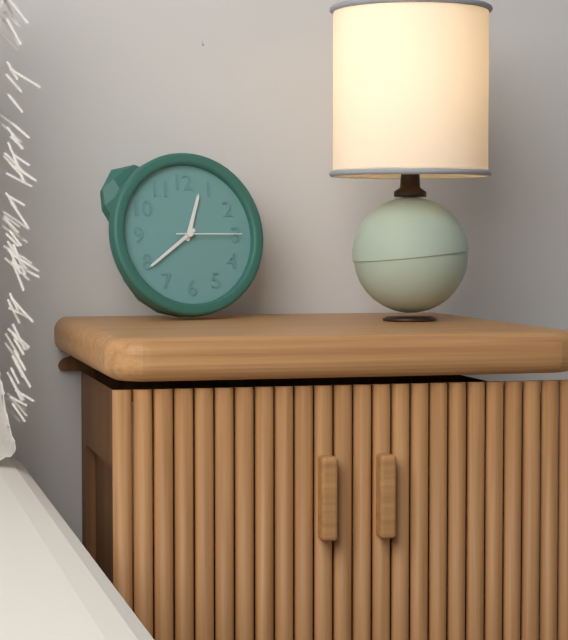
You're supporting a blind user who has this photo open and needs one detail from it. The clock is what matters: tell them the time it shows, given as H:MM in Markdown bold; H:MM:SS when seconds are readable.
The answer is **12:39:15**
